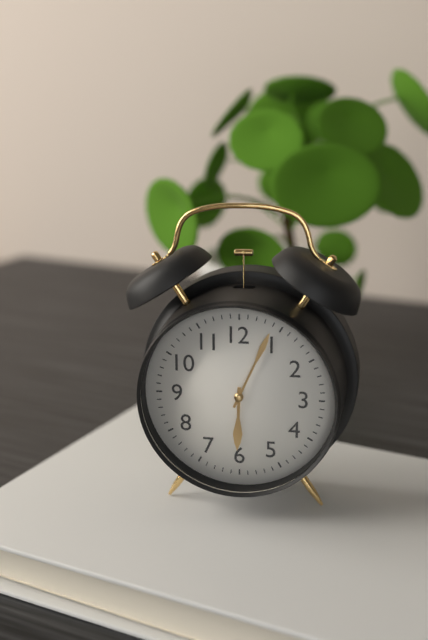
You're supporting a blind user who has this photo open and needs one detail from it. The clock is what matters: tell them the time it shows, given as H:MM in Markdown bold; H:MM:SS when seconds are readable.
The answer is **6:04**
